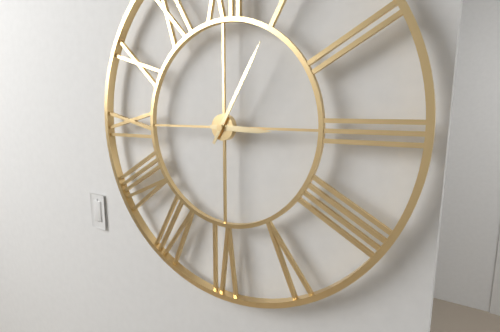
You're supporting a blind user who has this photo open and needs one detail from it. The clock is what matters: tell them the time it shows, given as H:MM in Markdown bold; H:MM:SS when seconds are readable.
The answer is **3:05**
